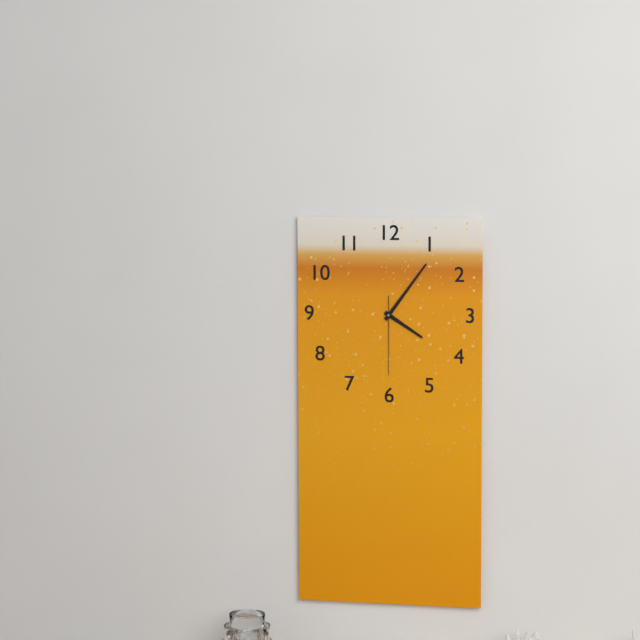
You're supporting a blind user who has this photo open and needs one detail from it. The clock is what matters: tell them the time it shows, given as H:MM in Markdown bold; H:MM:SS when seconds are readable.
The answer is **4:06:30**
